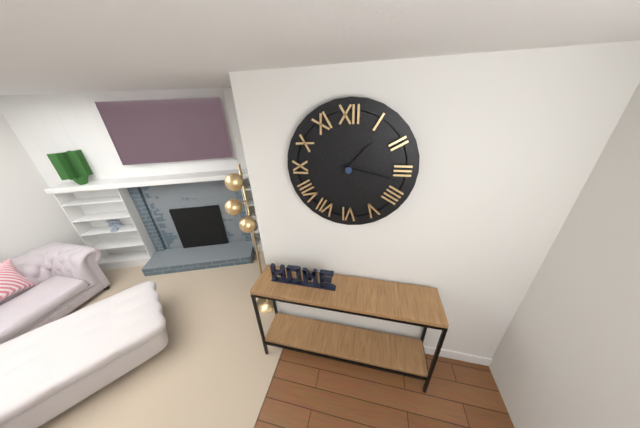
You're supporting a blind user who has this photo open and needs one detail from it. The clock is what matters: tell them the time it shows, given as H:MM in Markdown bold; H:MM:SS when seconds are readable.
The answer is **1:17**
